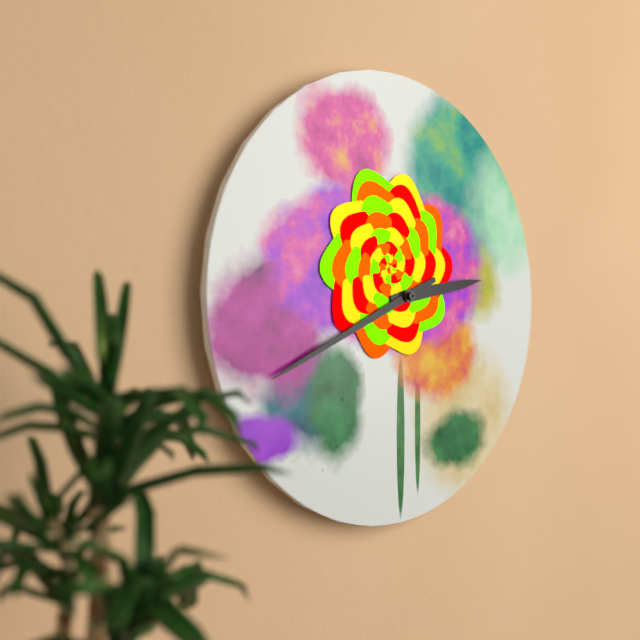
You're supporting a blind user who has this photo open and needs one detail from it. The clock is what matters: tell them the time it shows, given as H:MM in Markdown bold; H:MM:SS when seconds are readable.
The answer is **2:41**
